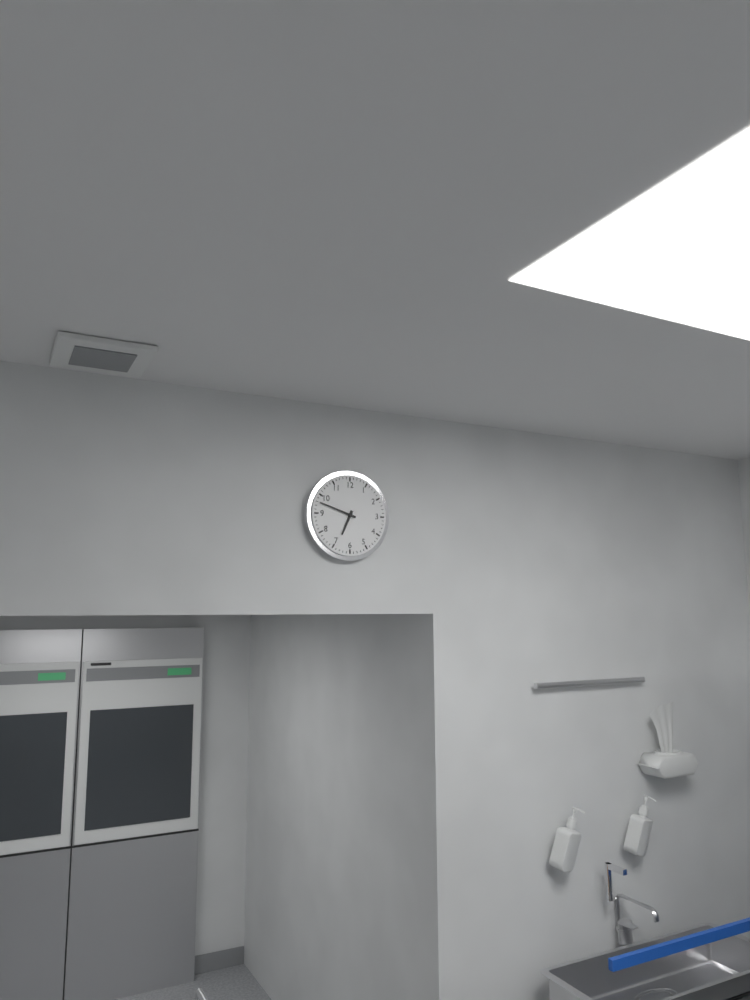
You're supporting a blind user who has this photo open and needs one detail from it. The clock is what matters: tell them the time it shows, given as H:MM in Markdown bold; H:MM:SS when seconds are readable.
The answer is **6:48**
